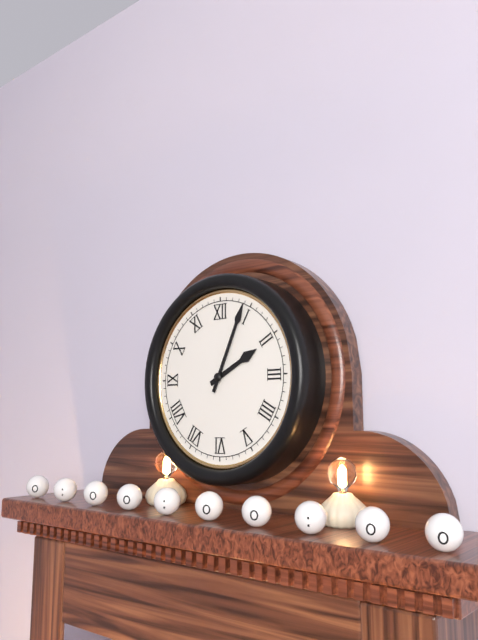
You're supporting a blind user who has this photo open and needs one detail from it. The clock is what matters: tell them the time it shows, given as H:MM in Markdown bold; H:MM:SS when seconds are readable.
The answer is **2:04**
